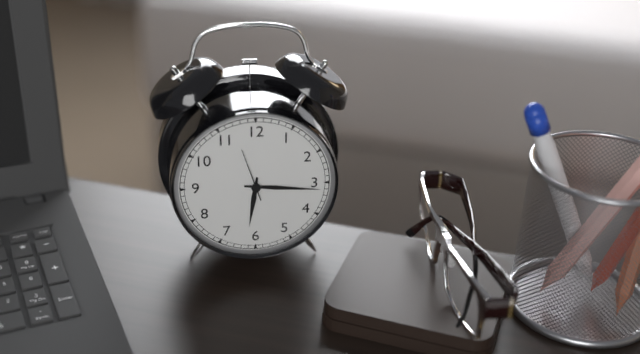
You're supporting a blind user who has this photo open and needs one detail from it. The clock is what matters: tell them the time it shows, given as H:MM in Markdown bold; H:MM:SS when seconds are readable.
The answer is **6:16**
